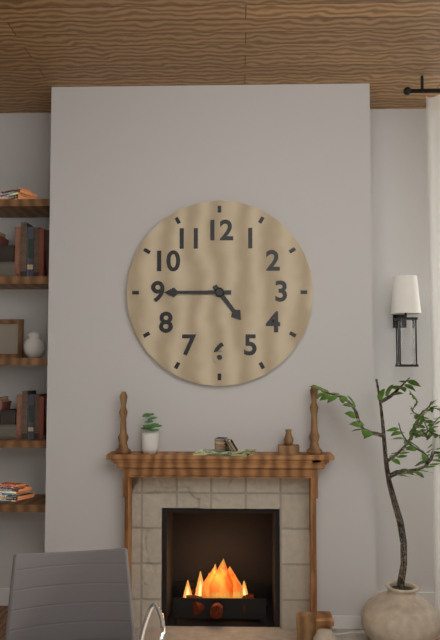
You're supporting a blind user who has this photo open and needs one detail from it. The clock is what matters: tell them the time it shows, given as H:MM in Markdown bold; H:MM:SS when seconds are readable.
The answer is **4:45**
